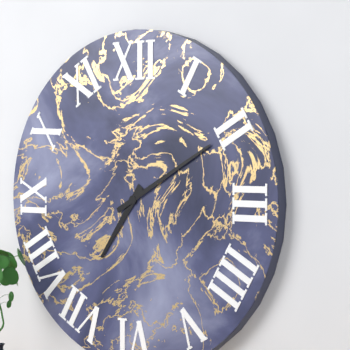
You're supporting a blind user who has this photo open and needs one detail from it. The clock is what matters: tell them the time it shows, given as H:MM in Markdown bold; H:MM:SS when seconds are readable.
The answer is **7:10**
